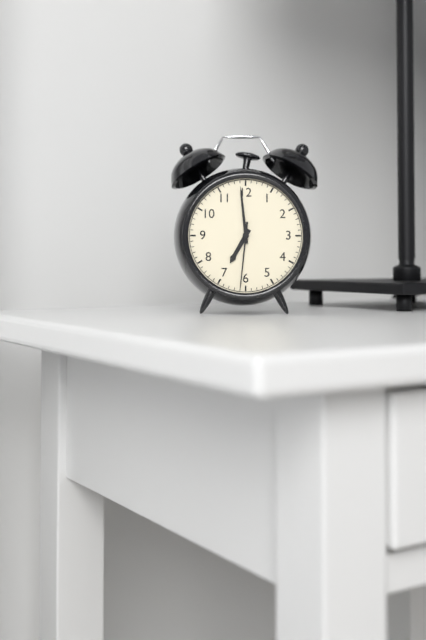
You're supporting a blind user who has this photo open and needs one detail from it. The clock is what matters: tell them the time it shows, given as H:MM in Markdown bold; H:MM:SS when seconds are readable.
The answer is **6:59:31**
